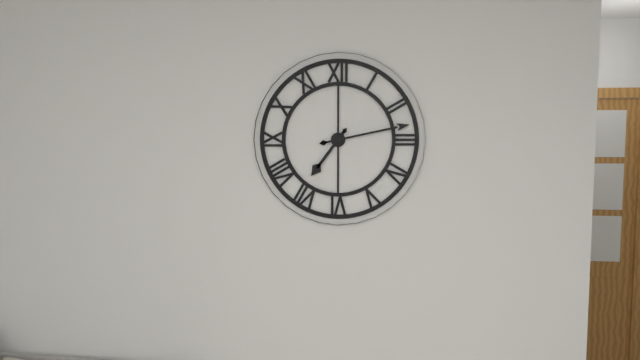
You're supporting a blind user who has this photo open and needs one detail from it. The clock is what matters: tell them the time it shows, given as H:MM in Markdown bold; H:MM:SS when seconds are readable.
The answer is **7:13**
